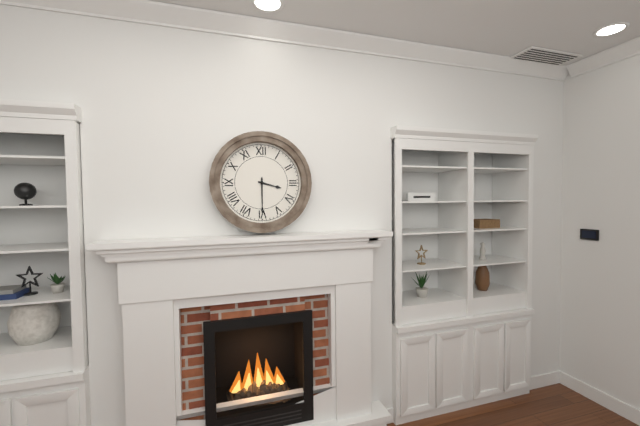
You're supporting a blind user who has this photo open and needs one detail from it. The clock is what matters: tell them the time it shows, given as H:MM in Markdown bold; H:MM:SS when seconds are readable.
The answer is **3:30**
